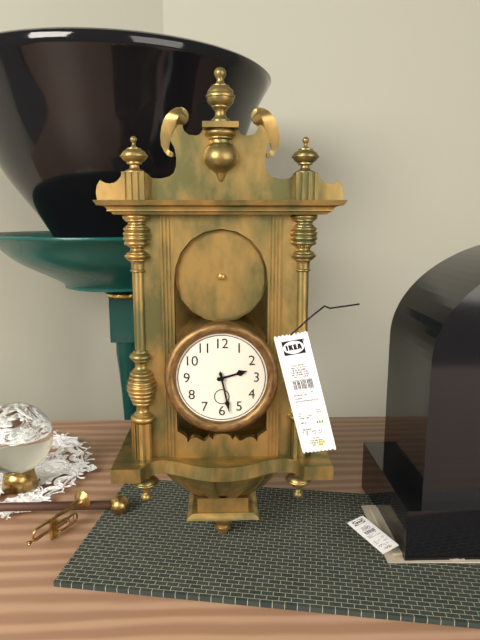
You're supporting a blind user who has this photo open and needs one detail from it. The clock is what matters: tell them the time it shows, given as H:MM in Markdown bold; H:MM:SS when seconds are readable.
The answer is **2:28**
